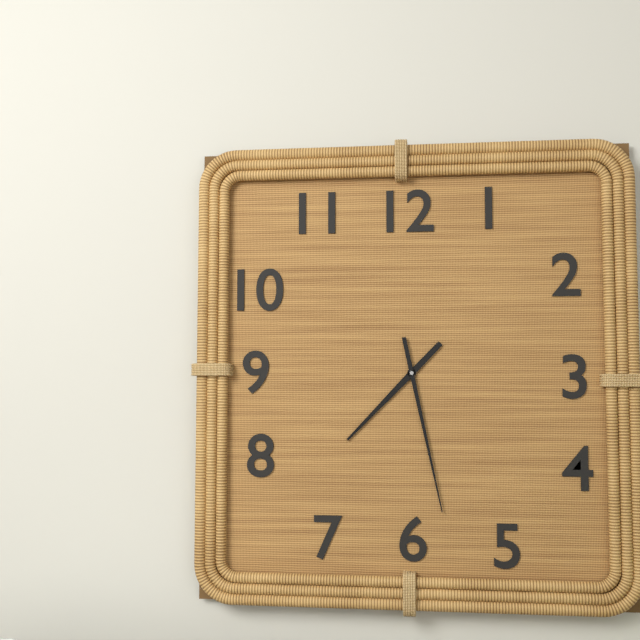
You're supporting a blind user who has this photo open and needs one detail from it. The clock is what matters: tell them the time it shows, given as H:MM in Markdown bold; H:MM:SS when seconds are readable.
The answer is **7:28**
